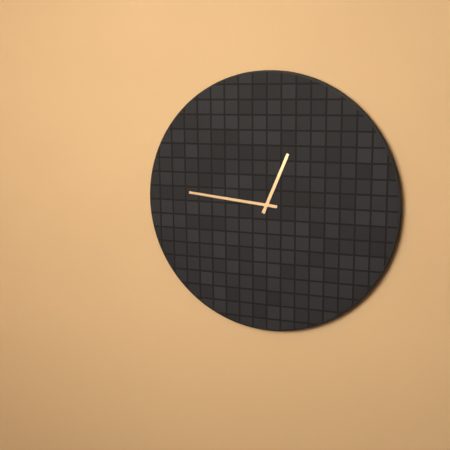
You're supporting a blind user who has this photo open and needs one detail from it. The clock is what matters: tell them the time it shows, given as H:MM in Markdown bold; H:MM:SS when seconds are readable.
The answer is **12:46**
